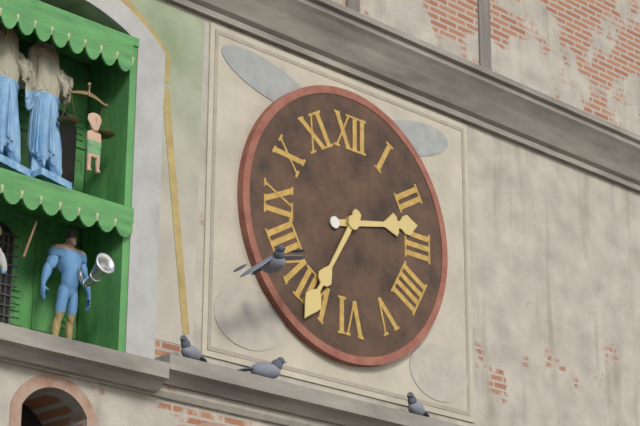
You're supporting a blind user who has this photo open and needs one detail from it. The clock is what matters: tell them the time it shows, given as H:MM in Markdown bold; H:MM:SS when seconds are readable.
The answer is **2:35**
